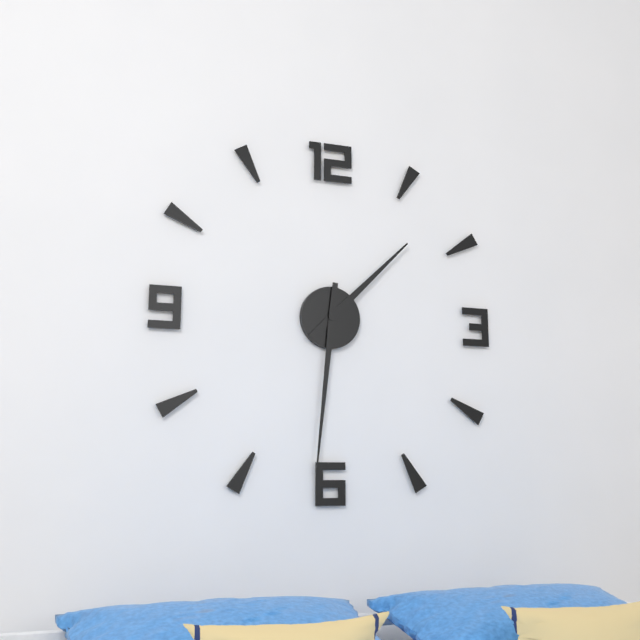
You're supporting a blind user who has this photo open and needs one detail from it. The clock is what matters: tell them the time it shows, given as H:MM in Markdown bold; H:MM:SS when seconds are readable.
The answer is **1:31**
